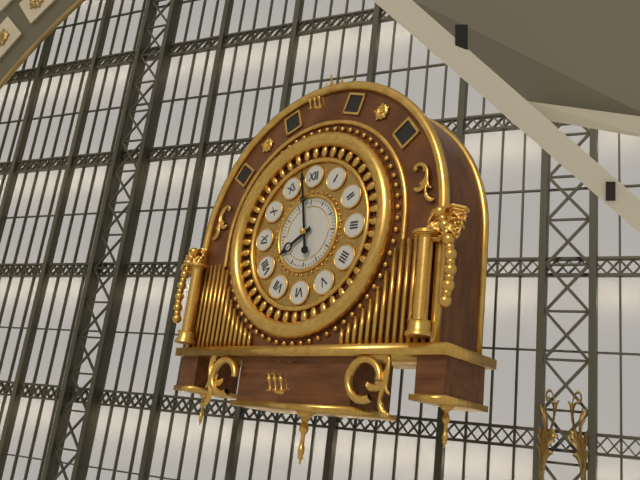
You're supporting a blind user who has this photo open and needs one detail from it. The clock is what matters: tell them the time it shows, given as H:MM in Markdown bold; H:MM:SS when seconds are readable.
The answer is **7:58**
